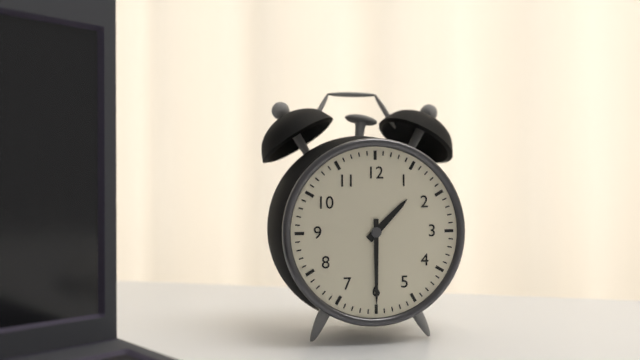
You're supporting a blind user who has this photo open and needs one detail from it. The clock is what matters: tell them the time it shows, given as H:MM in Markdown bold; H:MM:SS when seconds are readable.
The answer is **1:30**
